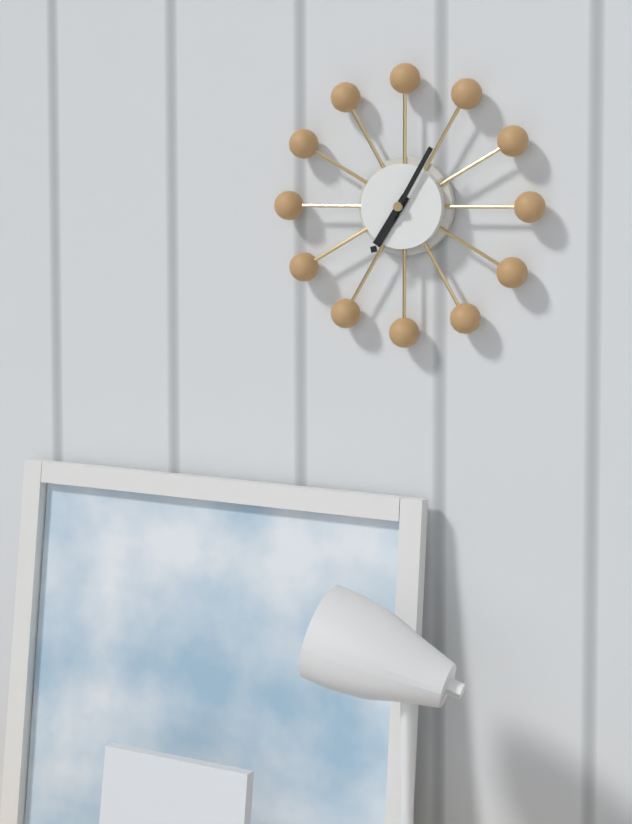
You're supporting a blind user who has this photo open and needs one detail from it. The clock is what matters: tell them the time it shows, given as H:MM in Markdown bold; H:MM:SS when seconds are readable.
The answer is **7:05**
